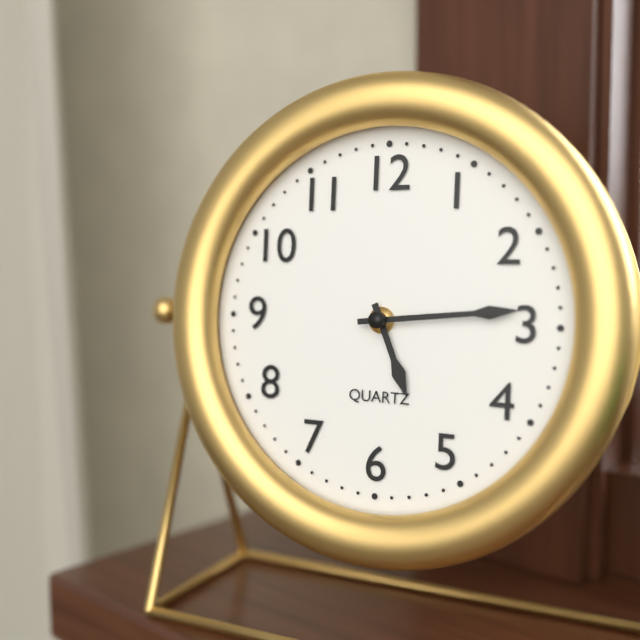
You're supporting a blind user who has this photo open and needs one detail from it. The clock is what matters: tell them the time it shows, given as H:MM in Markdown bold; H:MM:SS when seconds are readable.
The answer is **5:14**
